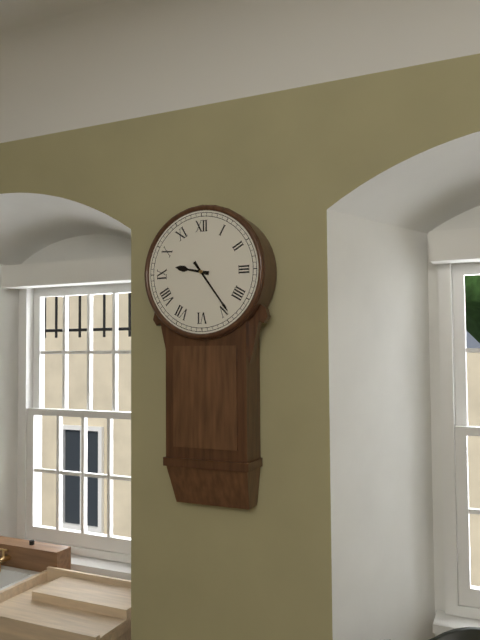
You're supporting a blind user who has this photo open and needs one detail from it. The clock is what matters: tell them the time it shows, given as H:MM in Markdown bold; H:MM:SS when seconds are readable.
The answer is **9:24**
